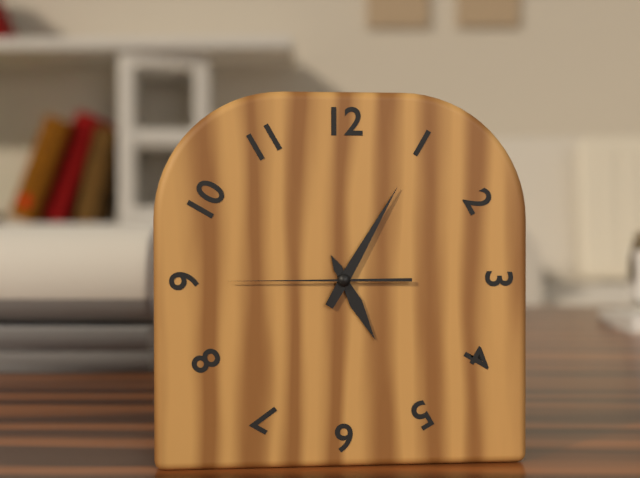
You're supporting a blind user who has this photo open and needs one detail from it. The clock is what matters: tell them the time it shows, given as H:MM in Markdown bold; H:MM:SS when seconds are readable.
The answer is **5:05:45**
